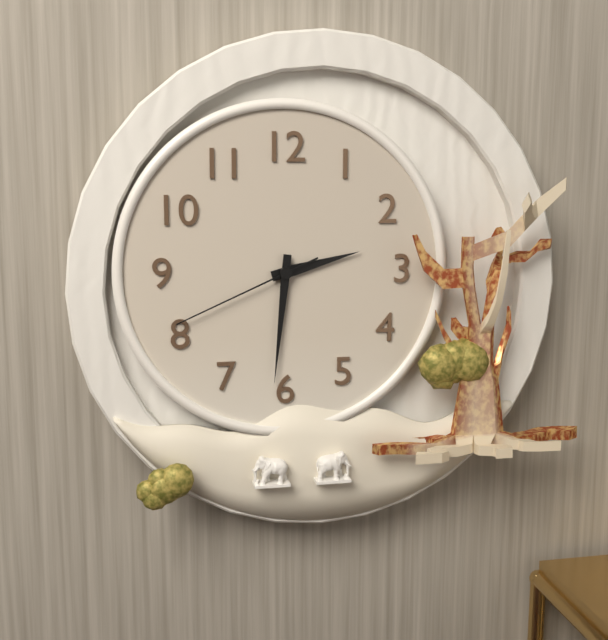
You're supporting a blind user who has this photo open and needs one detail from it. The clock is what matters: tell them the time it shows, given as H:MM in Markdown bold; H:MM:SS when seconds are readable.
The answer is **2:31:41**
